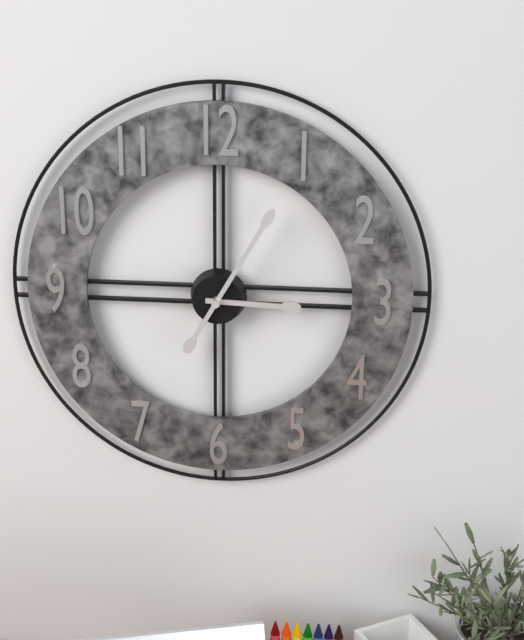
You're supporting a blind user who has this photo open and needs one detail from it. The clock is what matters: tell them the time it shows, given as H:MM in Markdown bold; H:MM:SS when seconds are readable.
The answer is **3:05**
